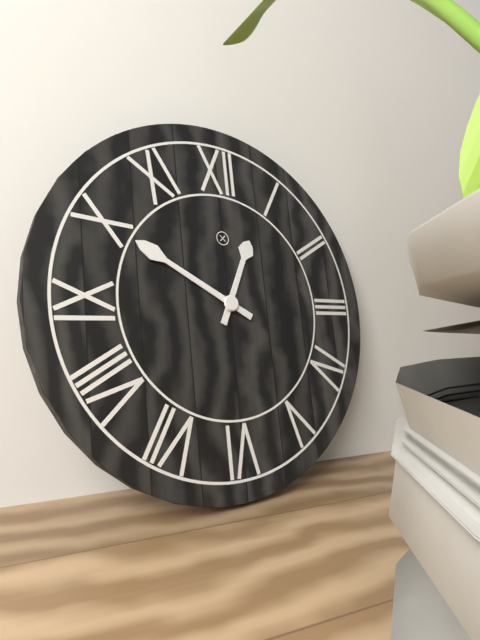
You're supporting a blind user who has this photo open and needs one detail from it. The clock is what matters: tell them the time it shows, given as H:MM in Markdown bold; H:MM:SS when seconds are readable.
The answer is **12:50**
